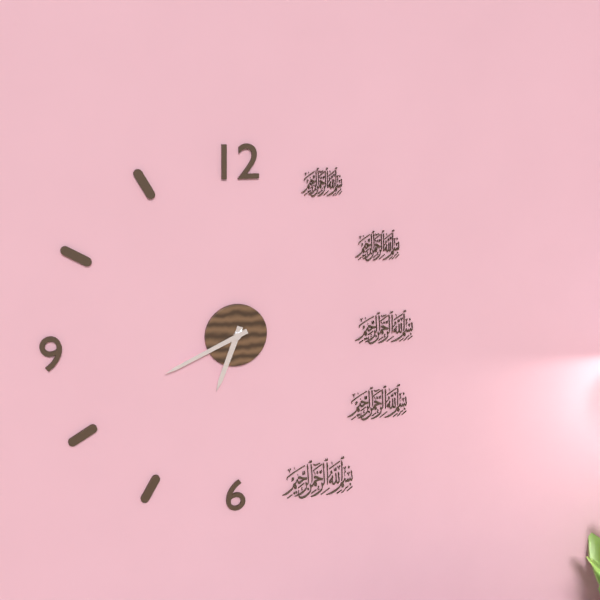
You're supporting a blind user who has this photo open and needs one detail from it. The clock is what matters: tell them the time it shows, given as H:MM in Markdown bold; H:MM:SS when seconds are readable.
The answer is **6:41**
